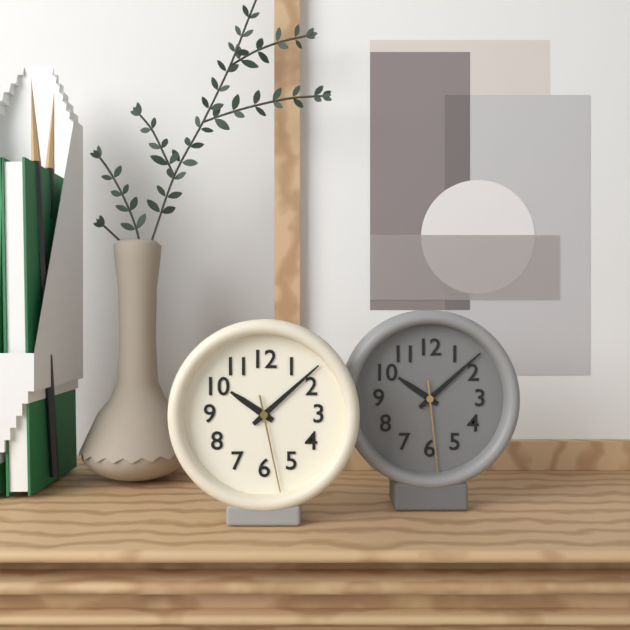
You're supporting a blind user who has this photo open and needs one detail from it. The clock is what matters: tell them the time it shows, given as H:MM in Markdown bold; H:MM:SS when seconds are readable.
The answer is **10:08:28**
